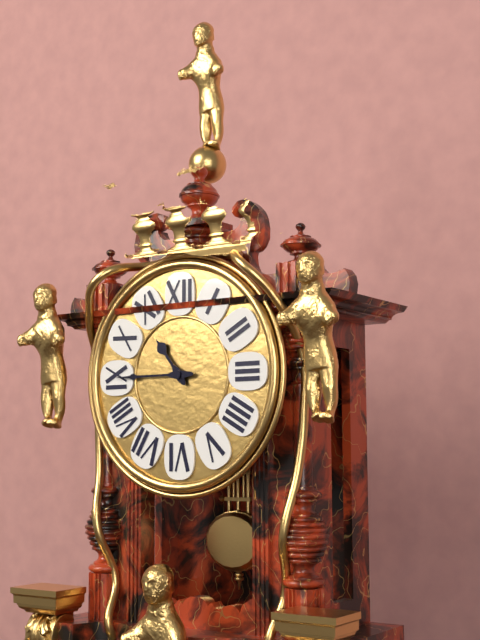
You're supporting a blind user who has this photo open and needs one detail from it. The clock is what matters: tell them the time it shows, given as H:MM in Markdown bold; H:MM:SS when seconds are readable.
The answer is **10:45**
